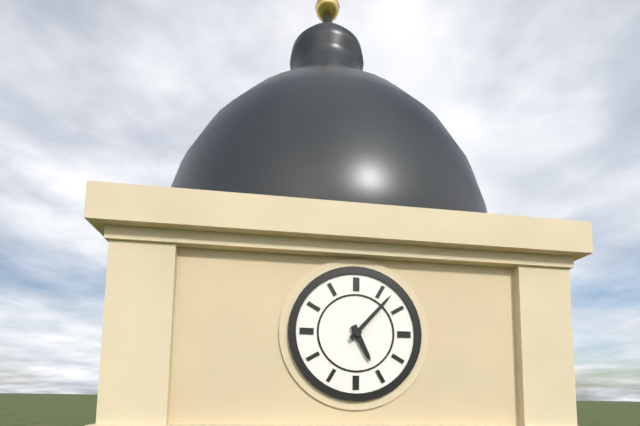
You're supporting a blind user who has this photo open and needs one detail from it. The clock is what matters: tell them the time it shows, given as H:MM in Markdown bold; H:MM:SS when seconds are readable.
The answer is **5:07**
